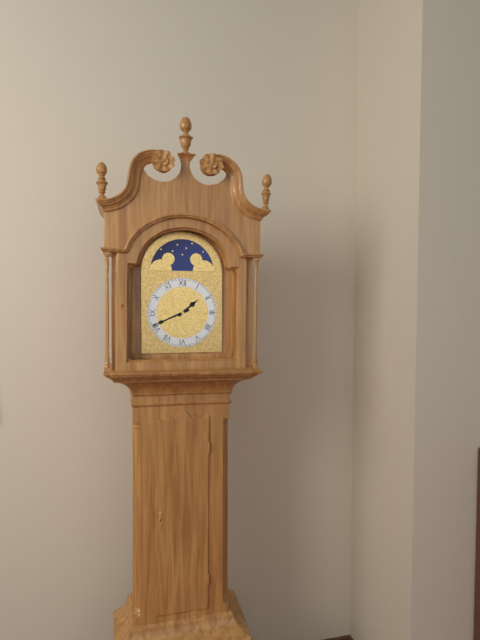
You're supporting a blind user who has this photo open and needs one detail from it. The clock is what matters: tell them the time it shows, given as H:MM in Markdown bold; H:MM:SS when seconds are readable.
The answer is **1:41**
